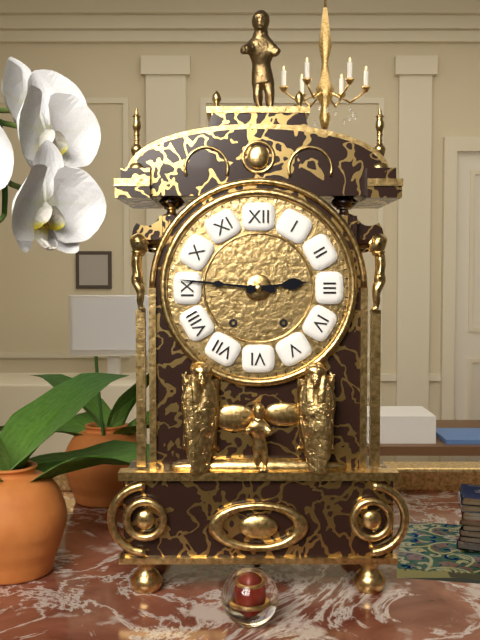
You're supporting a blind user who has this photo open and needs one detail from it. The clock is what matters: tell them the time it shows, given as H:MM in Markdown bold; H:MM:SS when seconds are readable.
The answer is **2:46**
